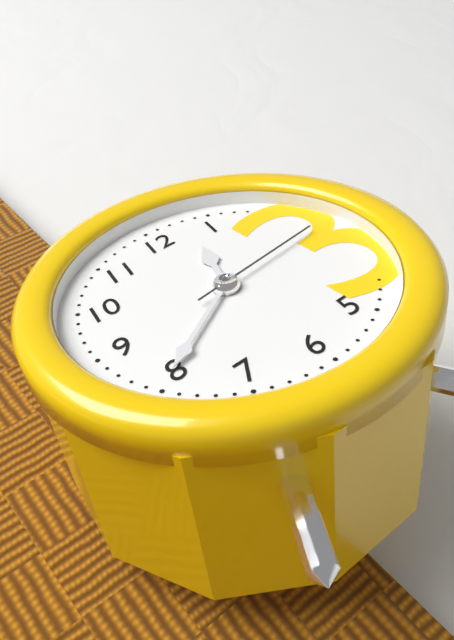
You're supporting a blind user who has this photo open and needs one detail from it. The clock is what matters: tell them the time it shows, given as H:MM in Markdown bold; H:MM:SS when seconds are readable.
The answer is **12:40:14**
